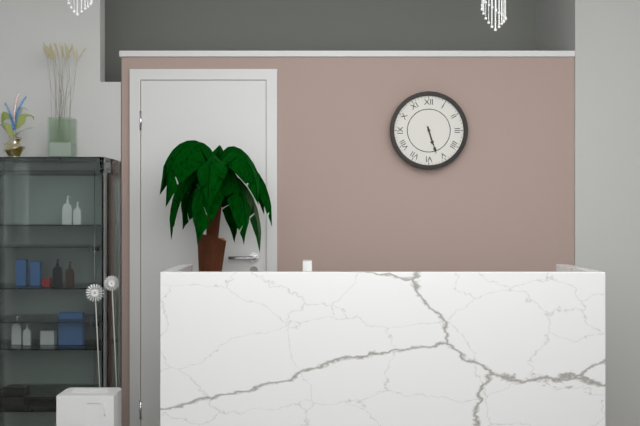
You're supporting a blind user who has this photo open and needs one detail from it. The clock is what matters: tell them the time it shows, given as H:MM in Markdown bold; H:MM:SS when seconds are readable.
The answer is **5:27**
